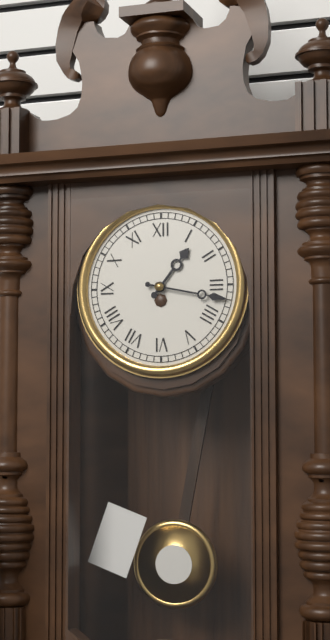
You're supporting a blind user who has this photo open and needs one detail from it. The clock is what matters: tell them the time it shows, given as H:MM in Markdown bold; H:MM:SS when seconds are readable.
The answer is **1:17**
